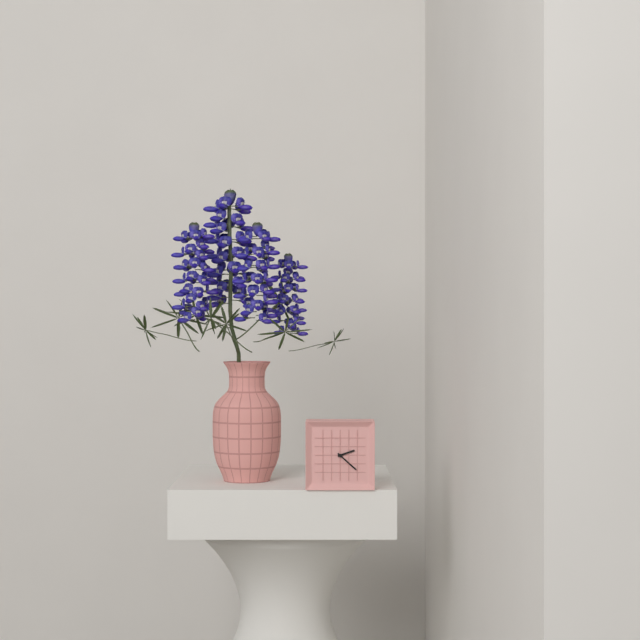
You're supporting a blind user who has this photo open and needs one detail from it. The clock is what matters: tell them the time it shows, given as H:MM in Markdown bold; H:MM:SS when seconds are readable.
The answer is **2:22**
